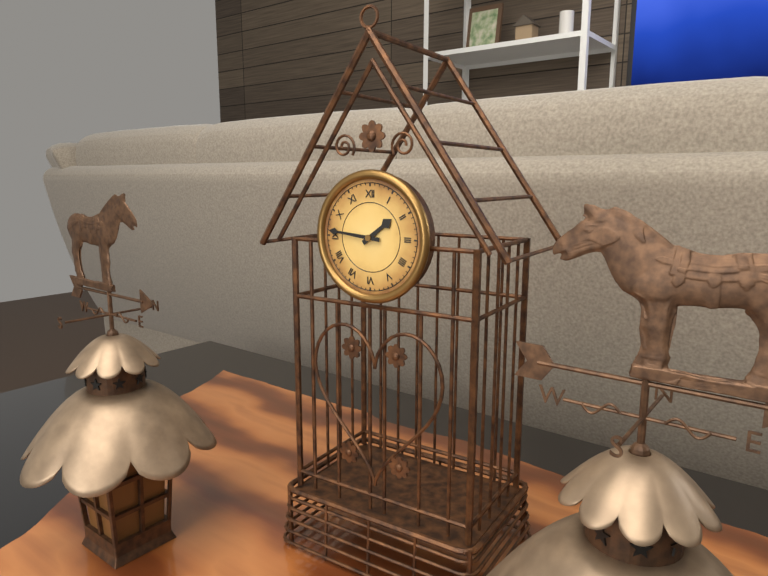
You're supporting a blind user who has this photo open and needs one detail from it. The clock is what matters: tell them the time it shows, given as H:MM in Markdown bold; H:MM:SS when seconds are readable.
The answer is **1:46**
